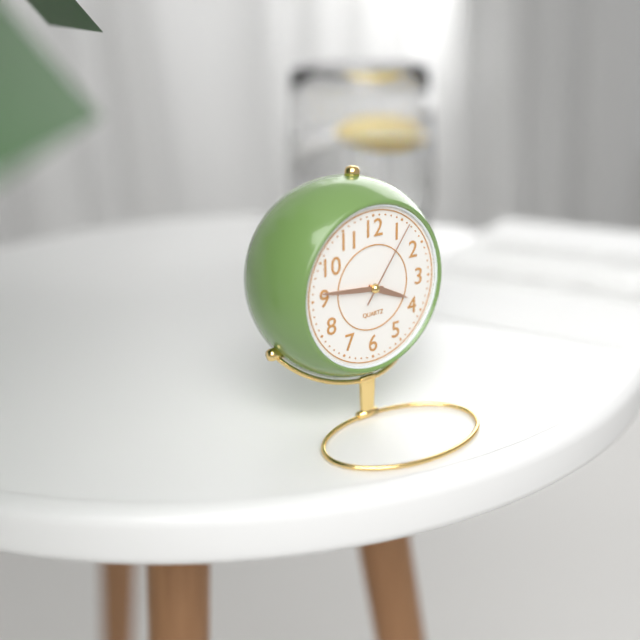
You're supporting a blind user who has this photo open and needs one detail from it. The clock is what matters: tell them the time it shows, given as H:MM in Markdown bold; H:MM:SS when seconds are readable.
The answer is **3:46:06**
